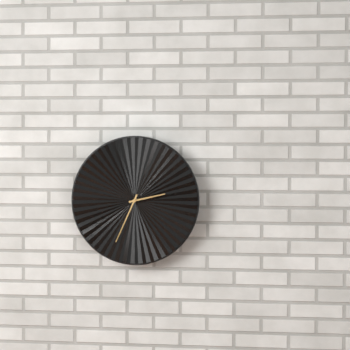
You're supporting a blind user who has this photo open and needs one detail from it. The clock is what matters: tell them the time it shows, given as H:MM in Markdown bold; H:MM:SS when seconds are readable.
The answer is **2:34**
